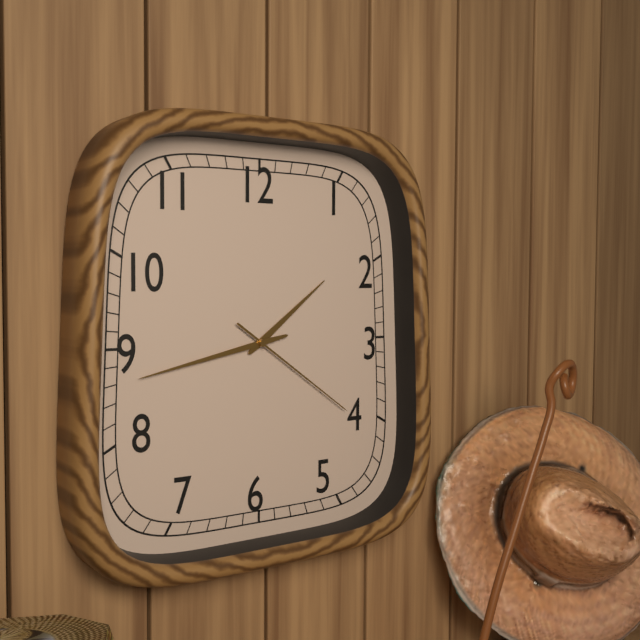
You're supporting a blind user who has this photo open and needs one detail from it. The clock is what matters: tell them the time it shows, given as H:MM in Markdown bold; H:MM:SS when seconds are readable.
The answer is **1:43:21**
